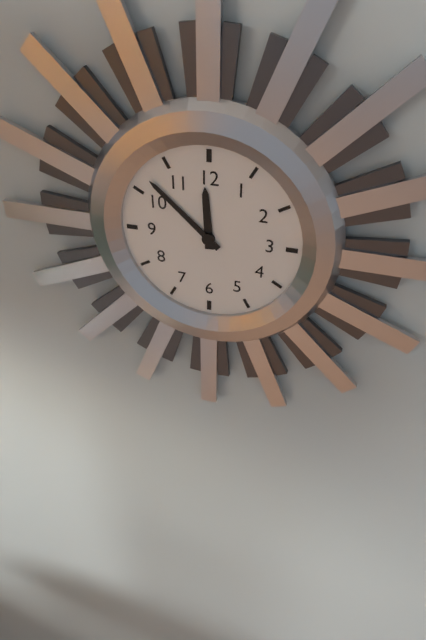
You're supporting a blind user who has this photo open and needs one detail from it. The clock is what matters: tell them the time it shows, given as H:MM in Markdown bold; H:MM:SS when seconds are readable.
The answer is **11:52**
